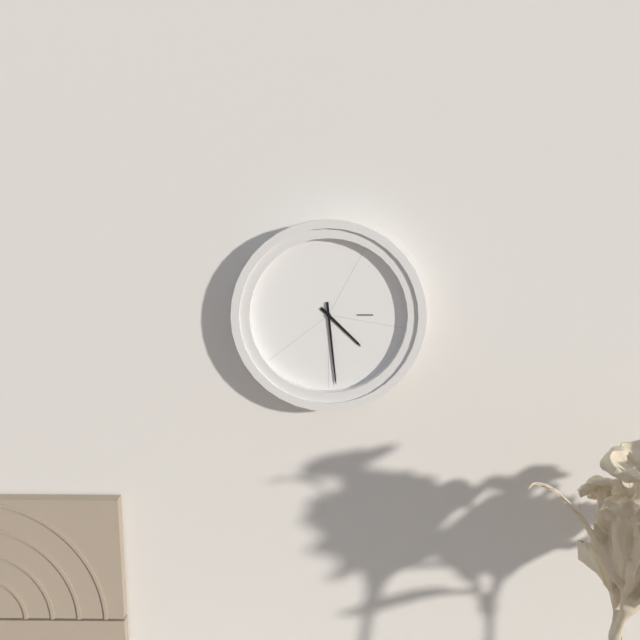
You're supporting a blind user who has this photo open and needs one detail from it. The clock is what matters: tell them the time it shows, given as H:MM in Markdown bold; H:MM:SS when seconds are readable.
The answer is **4:29**
